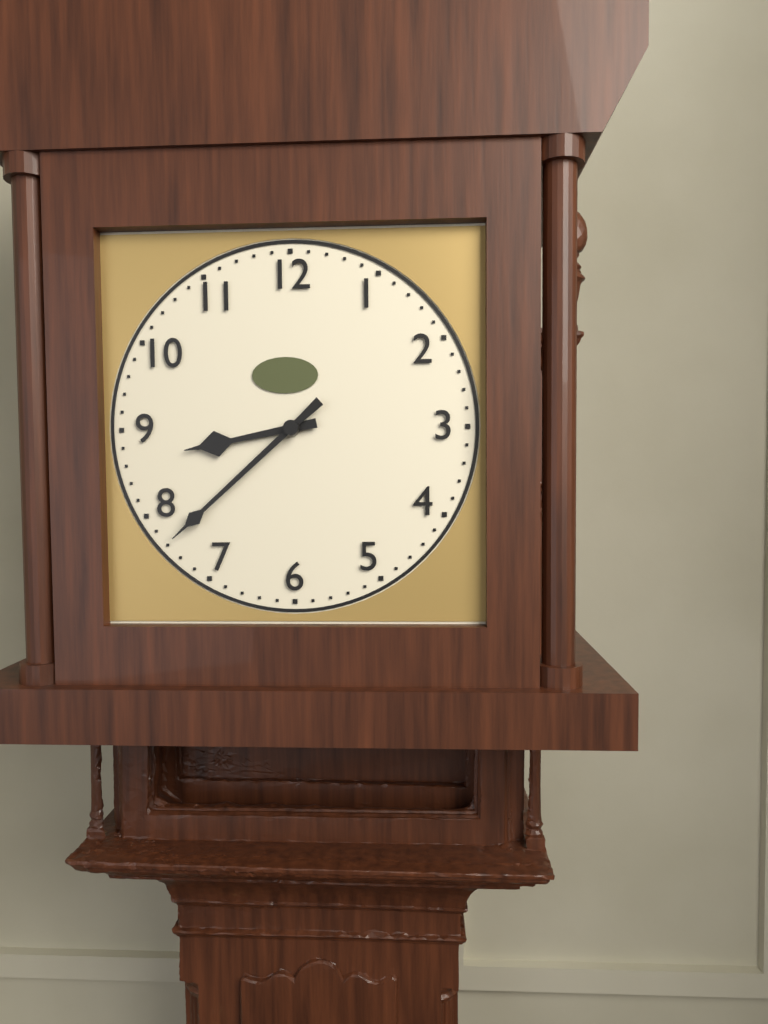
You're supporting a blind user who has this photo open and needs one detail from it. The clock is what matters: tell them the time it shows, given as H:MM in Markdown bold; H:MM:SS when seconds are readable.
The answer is **8:38**
